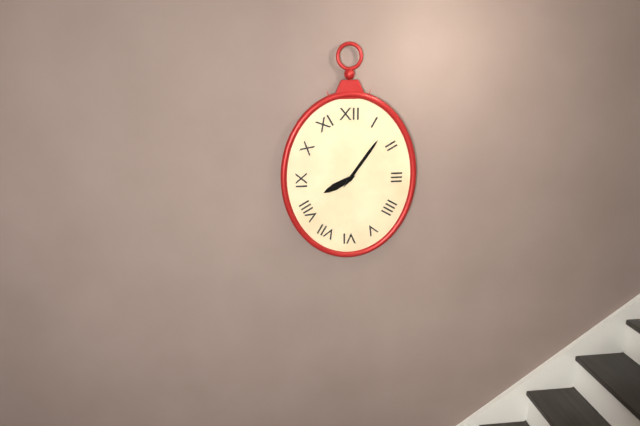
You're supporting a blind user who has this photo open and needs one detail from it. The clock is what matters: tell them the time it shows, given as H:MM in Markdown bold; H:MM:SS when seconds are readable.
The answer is **8:06**
